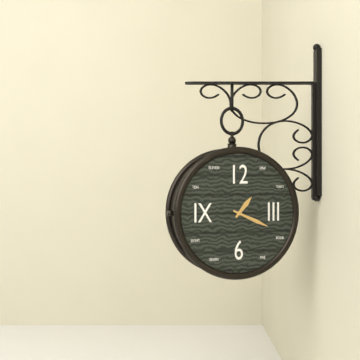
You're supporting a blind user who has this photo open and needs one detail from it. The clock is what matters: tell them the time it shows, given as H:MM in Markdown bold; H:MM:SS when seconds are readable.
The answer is **1:19**
